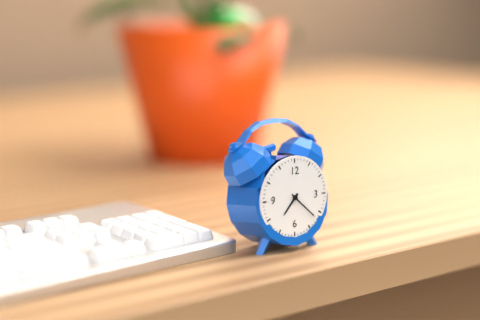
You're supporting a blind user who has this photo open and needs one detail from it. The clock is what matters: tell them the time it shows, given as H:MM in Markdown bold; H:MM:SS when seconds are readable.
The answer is **7:22**
